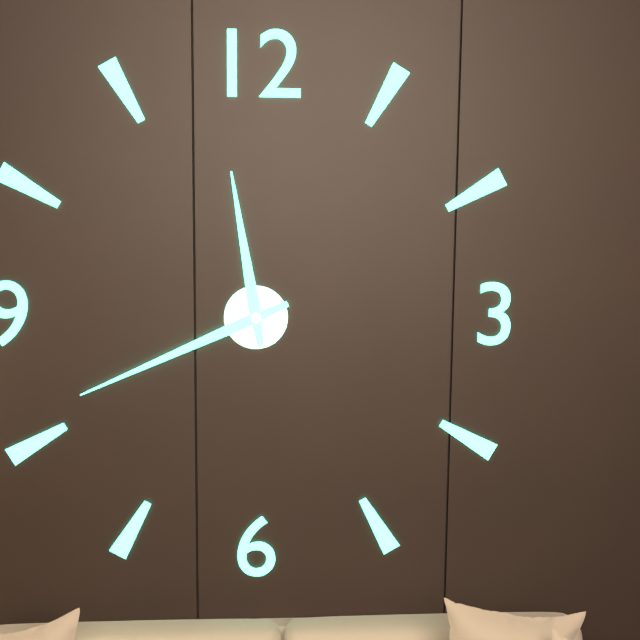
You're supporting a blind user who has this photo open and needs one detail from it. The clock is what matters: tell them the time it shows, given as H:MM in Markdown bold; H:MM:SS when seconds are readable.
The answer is **11:41**
